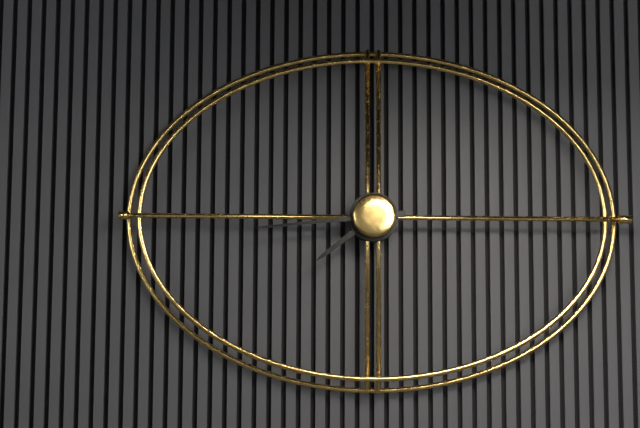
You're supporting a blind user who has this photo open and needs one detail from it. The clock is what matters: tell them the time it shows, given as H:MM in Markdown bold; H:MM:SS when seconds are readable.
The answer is **7:44**
